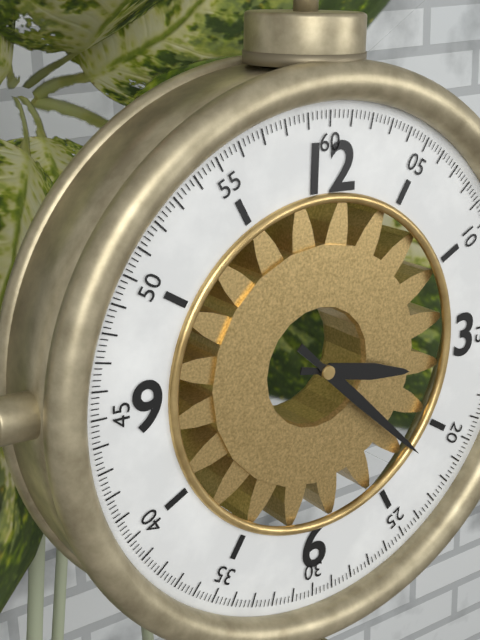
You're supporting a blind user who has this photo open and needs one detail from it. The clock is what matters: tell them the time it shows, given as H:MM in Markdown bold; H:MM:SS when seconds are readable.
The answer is **3:22**
